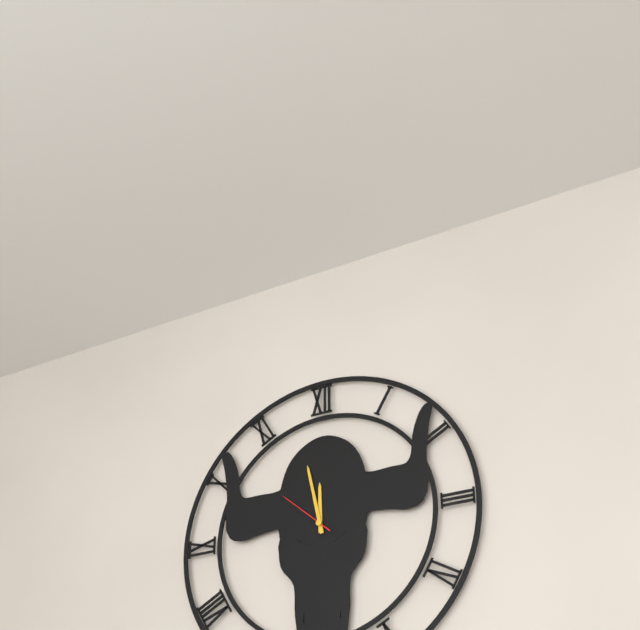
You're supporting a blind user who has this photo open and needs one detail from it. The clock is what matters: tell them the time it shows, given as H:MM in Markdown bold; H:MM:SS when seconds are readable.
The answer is **11:58:52**
